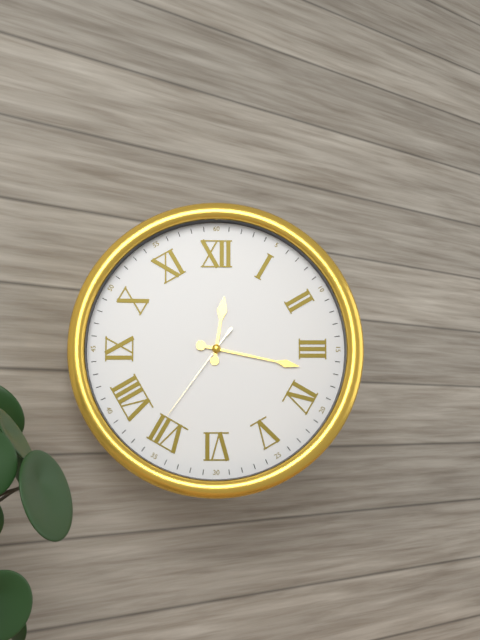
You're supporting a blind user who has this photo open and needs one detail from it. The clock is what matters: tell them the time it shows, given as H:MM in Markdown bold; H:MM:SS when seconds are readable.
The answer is **12:17:36**
